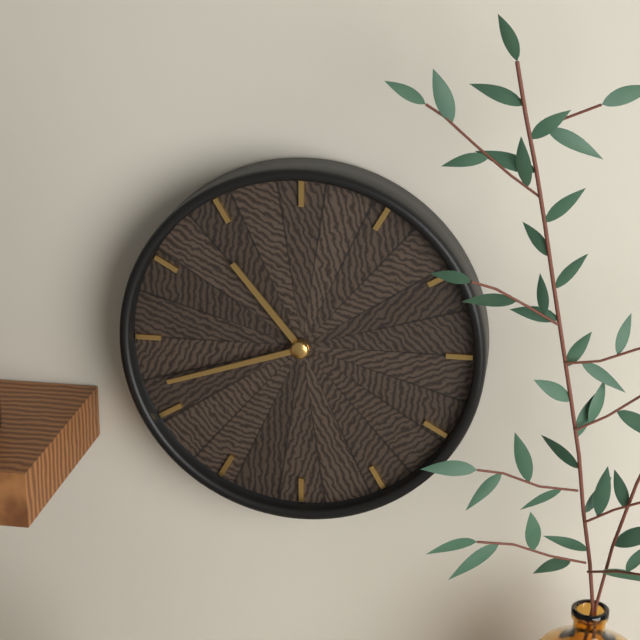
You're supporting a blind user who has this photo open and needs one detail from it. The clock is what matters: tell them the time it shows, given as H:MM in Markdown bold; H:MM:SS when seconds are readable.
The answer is **10:42**
